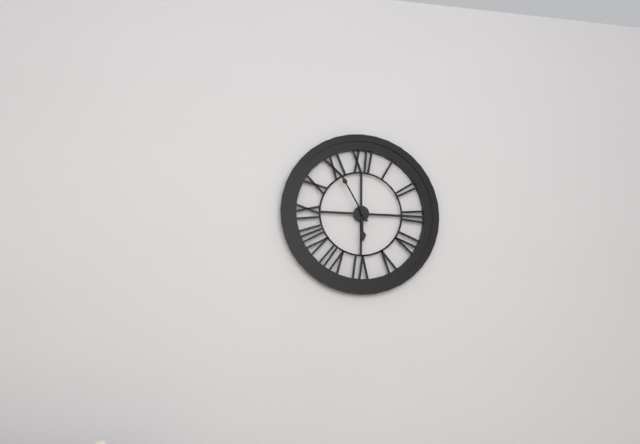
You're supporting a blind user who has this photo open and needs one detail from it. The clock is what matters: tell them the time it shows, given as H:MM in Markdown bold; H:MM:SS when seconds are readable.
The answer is **5:55**
